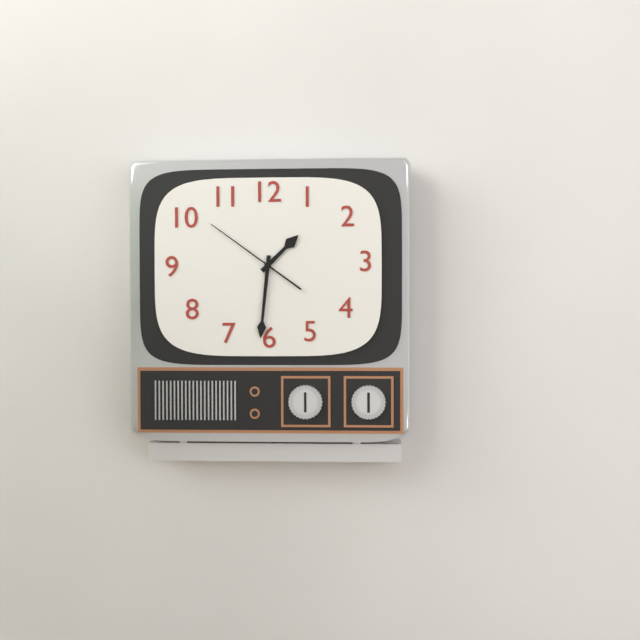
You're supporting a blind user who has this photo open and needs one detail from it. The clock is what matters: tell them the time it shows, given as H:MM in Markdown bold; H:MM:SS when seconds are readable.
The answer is **1:31:51**
